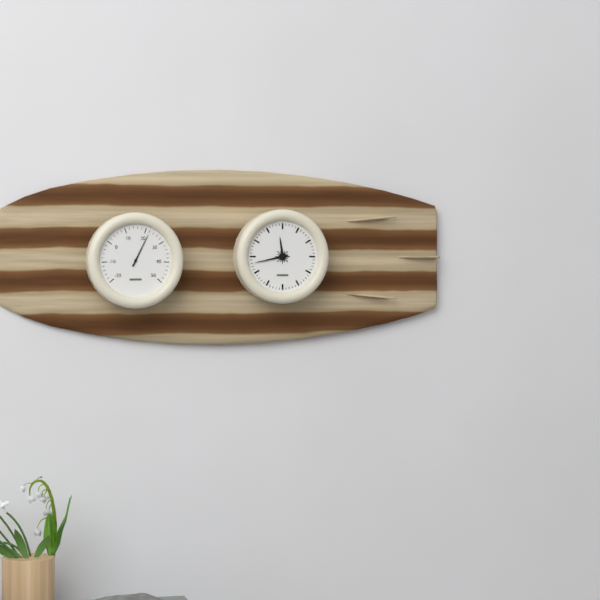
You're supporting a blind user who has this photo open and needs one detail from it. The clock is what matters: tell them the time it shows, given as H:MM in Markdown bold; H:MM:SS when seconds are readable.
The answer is **11:43**
